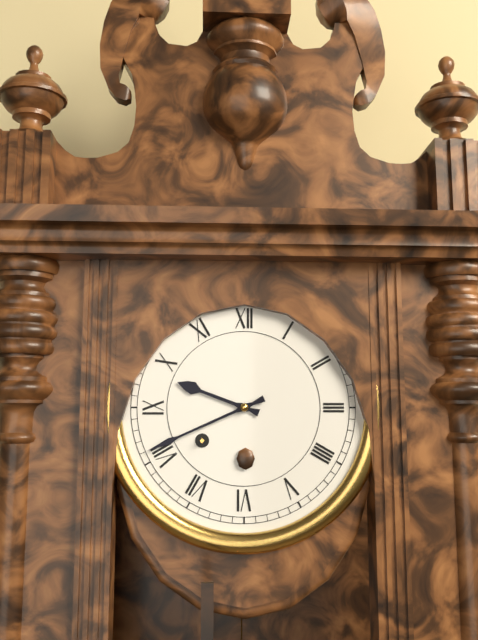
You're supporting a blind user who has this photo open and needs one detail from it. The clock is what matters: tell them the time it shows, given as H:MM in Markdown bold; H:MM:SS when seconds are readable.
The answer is **9:41**
